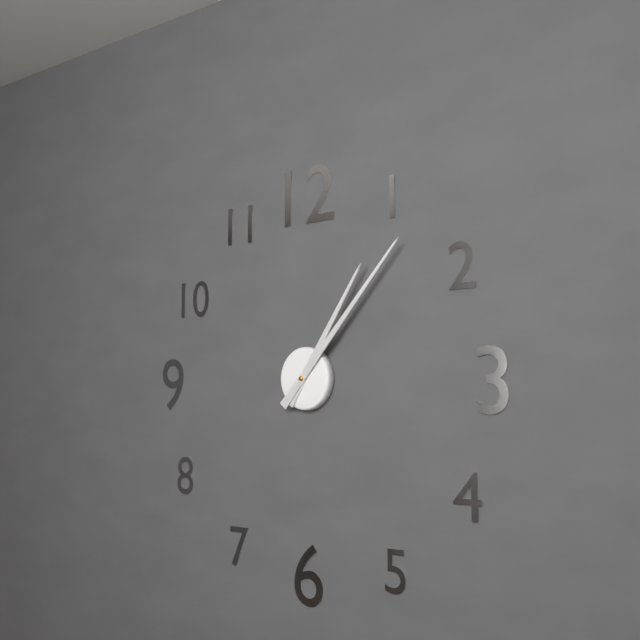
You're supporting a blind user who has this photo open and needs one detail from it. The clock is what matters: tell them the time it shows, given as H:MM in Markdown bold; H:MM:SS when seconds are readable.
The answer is **1:07**
